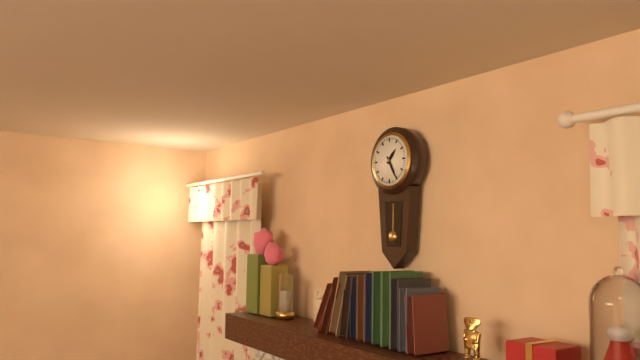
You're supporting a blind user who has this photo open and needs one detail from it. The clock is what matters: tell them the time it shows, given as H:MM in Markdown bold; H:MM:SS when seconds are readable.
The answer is **1:25**
